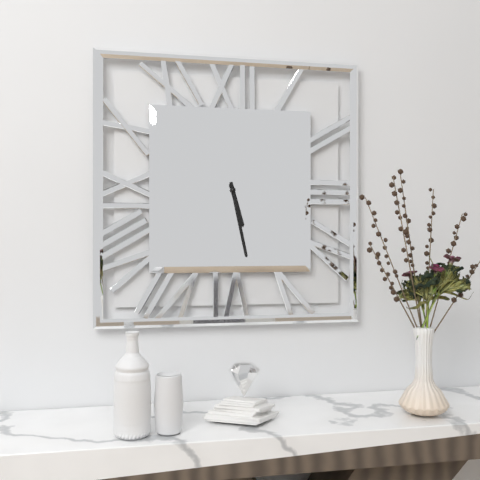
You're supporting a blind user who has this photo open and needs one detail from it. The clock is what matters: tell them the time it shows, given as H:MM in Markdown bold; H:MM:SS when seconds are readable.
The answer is **5:28**
